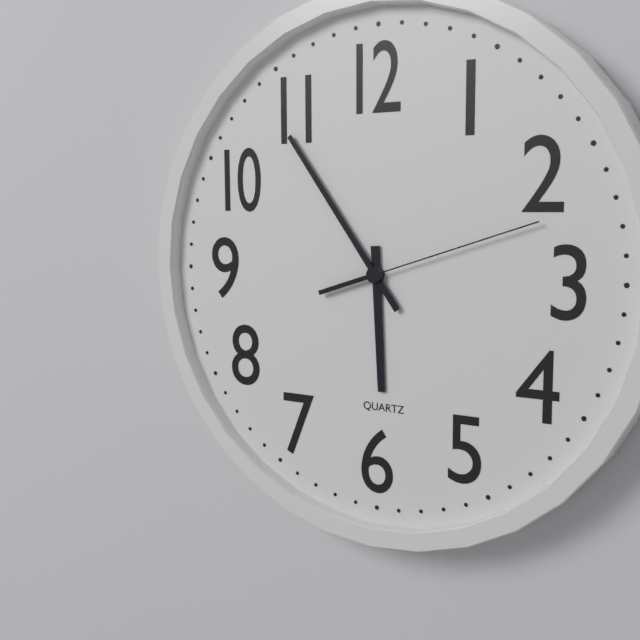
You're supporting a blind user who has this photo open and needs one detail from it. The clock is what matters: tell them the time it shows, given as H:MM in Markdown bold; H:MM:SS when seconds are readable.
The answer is **5:54:12**
